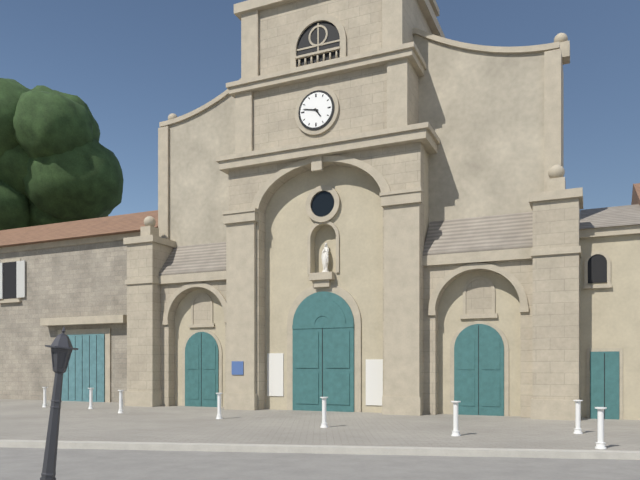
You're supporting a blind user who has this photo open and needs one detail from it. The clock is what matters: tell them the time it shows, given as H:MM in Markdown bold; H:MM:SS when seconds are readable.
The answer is **4:47**
